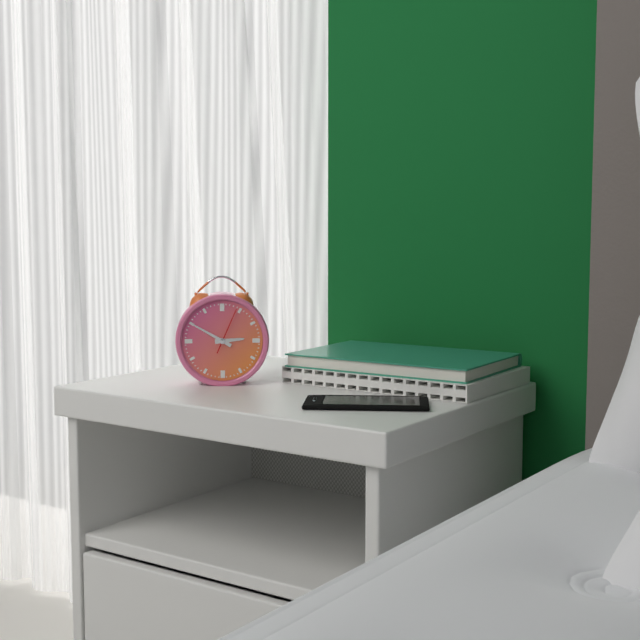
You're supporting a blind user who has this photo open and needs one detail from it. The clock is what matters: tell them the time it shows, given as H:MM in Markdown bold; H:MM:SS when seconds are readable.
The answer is **2:50**
